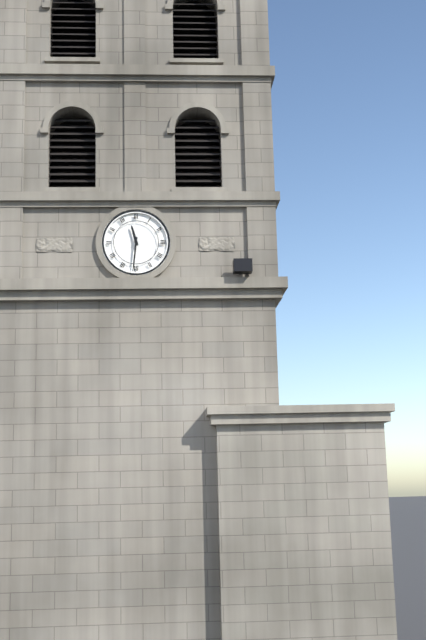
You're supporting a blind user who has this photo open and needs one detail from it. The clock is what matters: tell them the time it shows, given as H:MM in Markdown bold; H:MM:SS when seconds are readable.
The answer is **11:31**
